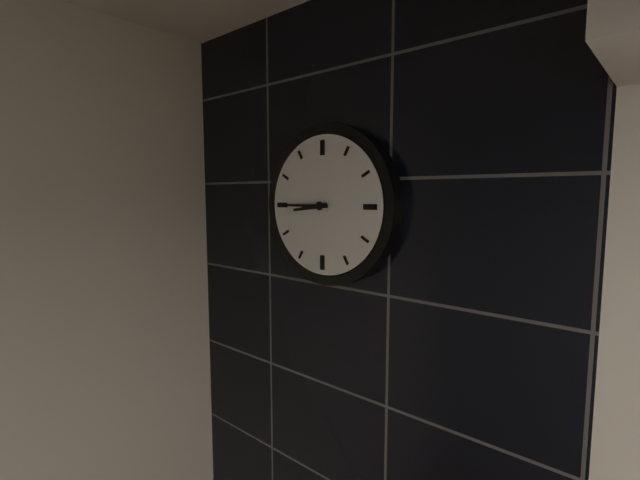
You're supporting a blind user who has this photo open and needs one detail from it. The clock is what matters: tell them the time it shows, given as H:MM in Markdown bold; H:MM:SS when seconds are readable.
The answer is **8:45**
